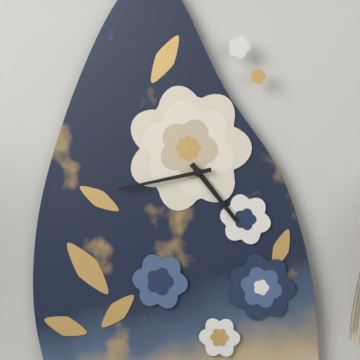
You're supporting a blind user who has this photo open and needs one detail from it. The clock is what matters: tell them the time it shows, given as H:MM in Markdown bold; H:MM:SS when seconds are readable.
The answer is **4:43**
